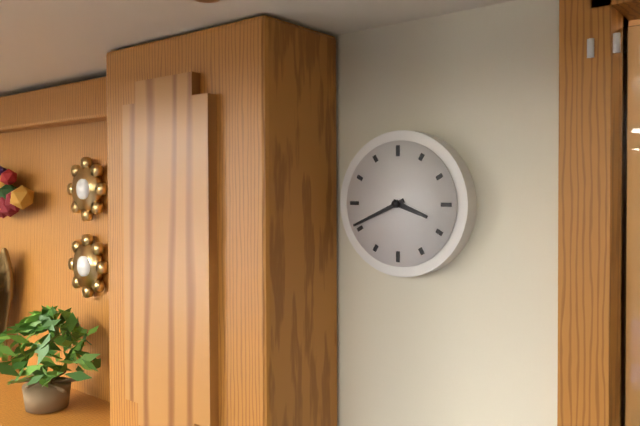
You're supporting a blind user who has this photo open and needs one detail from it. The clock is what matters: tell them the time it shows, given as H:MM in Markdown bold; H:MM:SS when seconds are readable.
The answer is **3:41**
